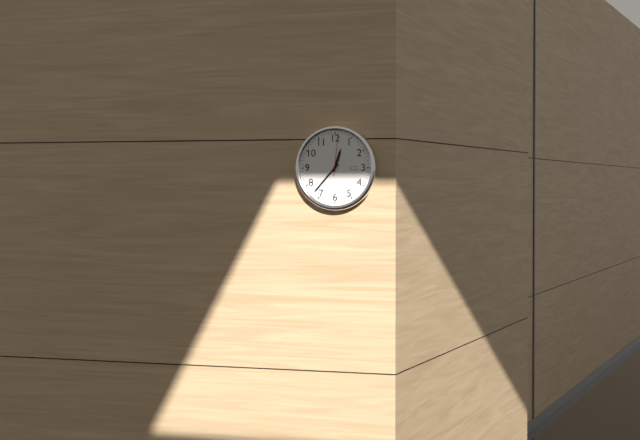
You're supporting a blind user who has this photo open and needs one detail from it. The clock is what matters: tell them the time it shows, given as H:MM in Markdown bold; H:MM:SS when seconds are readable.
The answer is **12:37**
